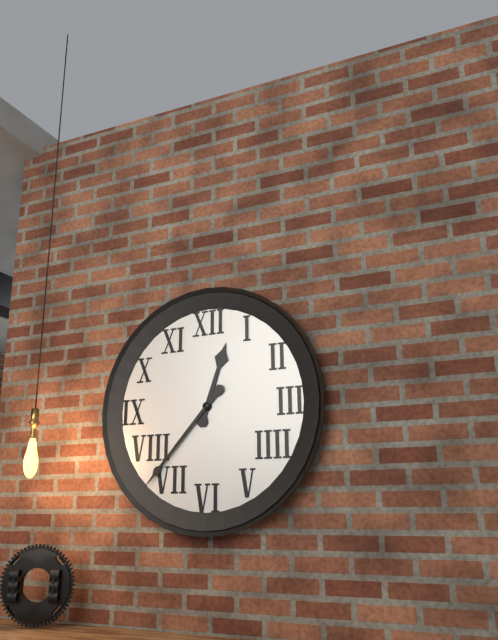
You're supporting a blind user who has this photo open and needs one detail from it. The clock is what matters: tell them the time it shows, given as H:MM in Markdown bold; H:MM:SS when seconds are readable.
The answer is **12:37**
